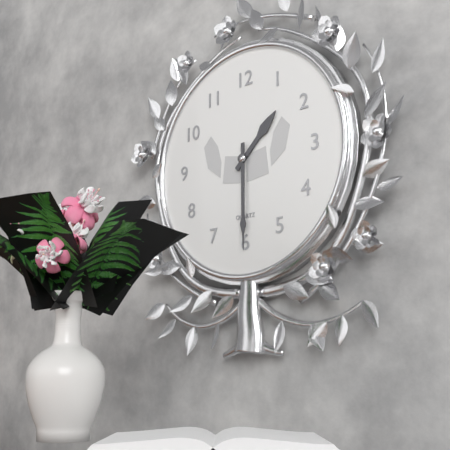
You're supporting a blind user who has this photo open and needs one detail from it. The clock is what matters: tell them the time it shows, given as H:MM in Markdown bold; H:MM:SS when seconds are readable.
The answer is **1:30**
